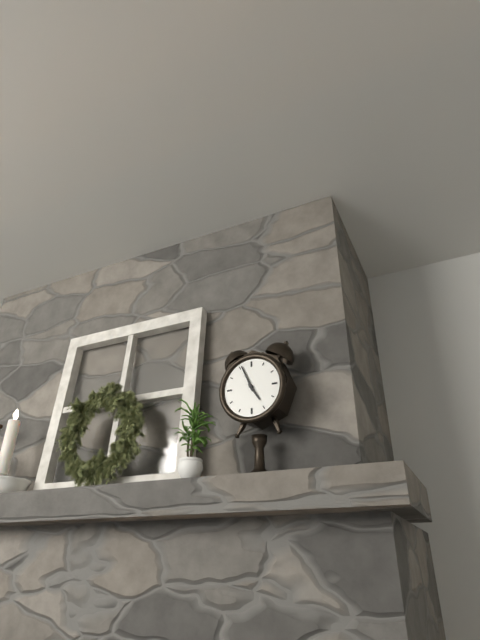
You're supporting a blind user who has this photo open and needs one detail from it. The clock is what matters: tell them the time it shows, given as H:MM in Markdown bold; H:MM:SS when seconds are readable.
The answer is **4:56**
